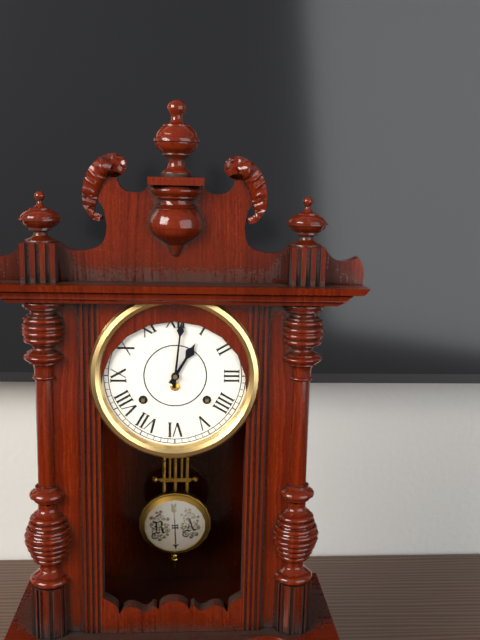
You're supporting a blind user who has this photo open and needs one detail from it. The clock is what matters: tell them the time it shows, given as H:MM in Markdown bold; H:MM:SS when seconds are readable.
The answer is **1:01**
